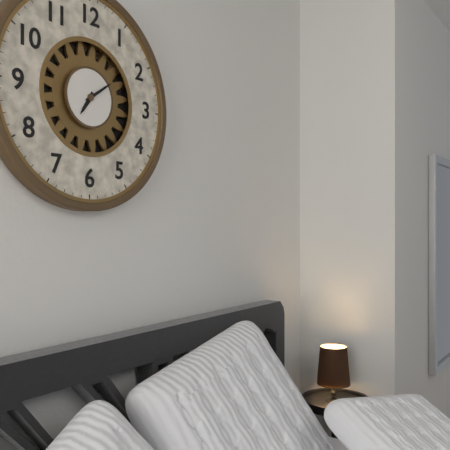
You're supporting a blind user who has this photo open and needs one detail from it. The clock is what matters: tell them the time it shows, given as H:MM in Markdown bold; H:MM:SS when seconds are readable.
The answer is **7:09**
